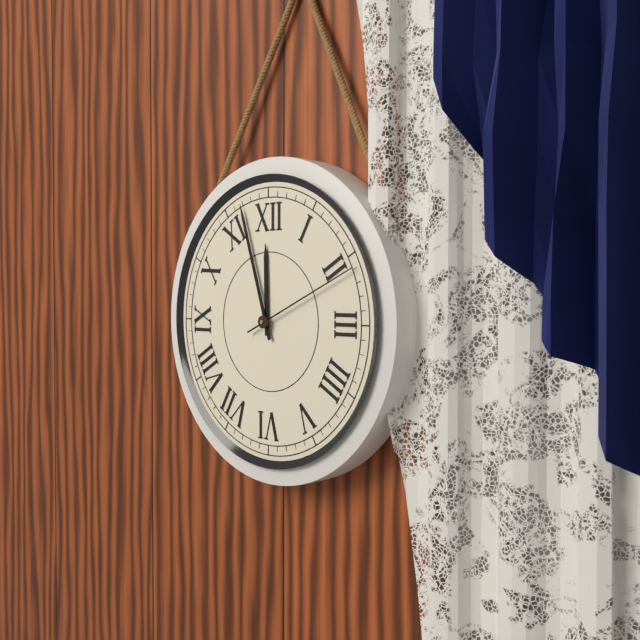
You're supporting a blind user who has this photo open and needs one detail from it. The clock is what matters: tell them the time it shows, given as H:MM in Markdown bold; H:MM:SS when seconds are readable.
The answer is **11:57:11**
